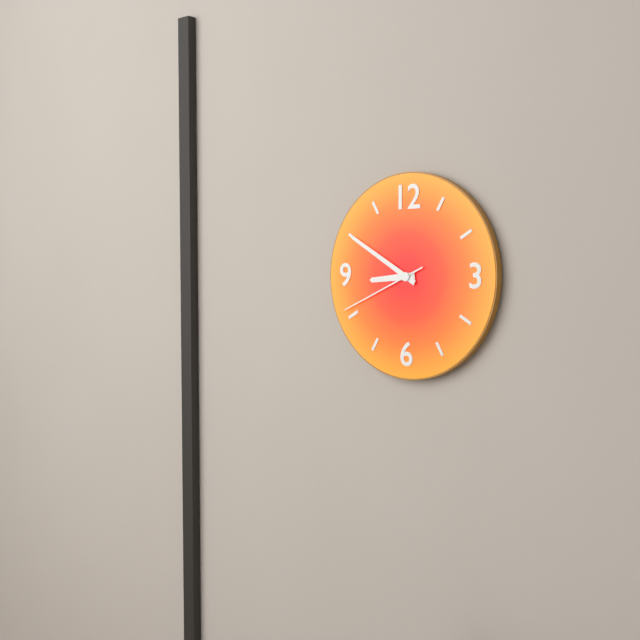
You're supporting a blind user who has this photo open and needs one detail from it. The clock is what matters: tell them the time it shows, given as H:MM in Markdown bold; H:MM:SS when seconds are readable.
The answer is **8:50:41**
